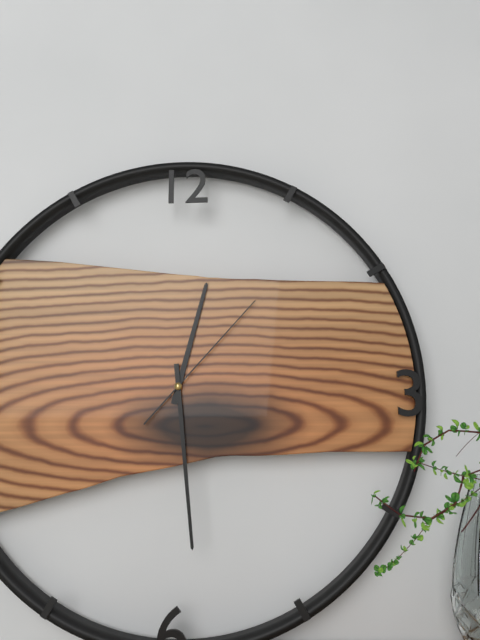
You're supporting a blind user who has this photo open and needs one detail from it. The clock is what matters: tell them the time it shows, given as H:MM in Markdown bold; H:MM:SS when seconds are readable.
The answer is **12:29:07**
